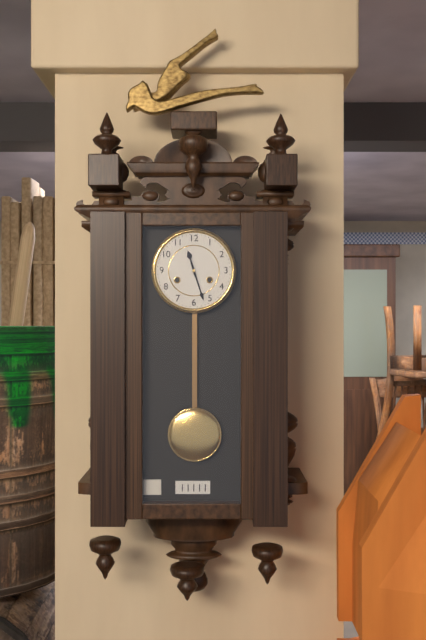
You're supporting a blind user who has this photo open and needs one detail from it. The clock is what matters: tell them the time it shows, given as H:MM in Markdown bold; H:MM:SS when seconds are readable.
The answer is **11:27**
